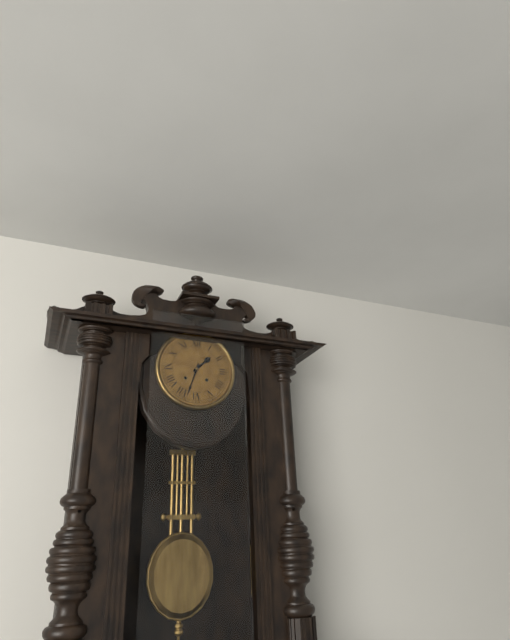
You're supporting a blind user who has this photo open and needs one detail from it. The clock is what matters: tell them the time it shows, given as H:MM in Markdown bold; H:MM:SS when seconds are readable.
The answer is **1:33**
